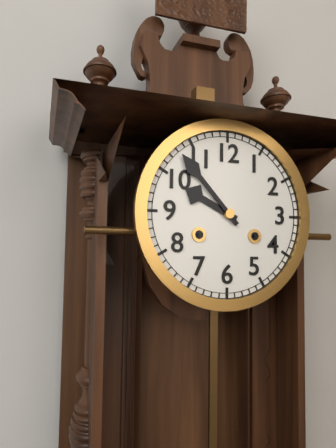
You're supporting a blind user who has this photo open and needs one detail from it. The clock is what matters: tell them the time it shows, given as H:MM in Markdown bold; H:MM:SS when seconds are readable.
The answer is **9:53**
